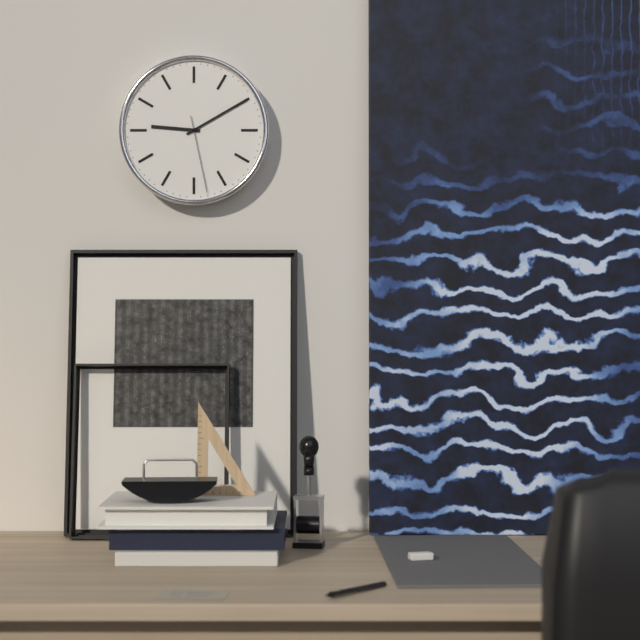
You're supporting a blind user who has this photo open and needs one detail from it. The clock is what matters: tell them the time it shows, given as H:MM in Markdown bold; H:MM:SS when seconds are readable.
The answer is **9:10:28**
